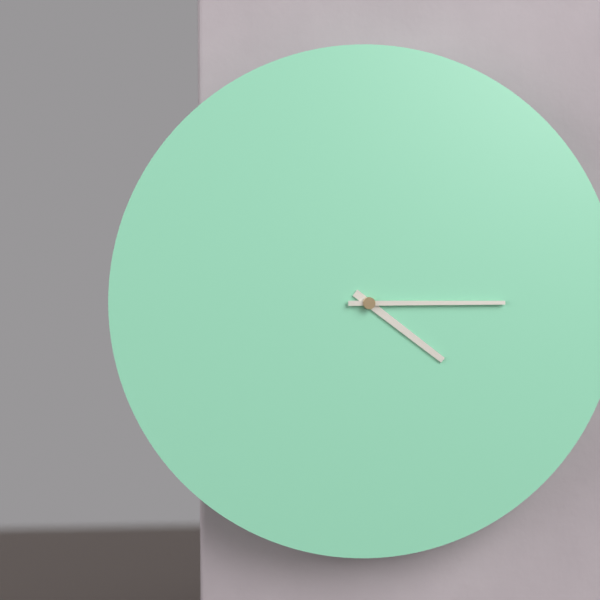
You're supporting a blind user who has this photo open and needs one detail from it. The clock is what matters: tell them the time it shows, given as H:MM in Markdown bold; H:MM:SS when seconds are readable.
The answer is **4:15**
